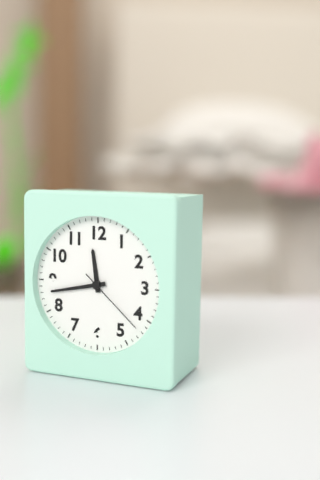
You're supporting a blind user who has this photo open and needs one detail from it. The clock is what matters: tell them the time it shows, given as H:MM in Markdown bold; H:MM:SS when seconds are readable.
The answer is **11:43:22**
